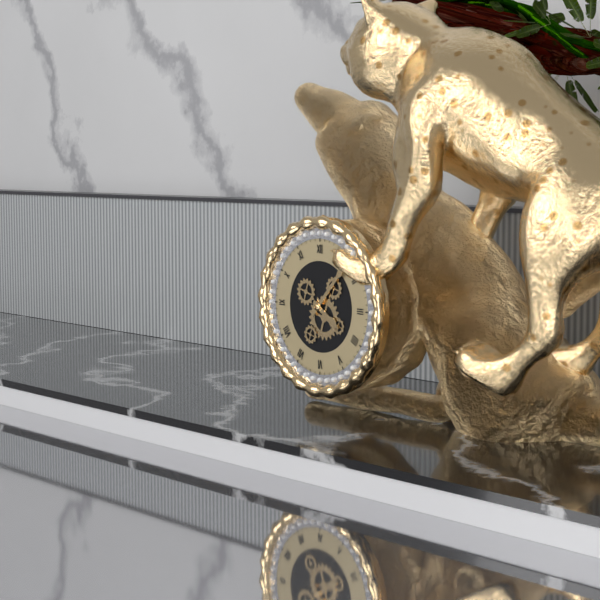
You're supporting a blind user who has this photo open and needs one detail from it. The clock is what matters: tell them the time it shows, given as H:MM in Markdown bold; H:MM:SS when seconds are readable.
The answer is **4:07**
